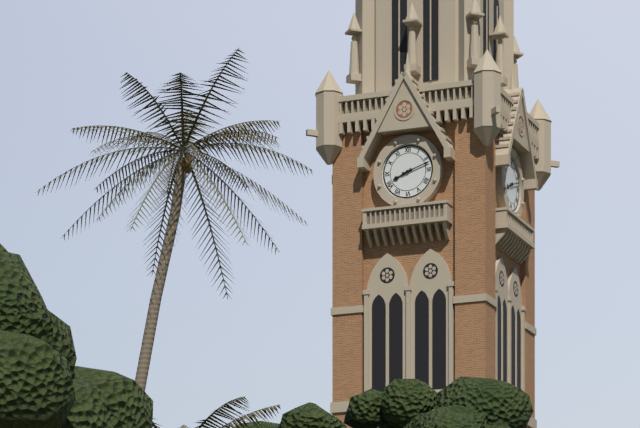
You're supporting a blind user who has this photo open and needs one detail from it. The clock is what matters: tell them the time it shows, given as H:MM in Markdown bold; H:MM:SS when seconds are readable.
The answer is **8:12**
